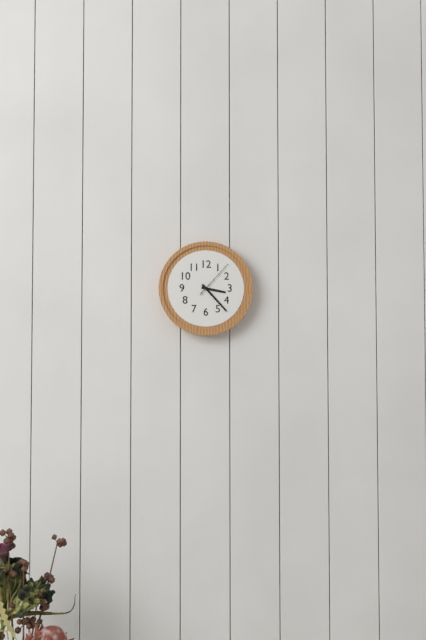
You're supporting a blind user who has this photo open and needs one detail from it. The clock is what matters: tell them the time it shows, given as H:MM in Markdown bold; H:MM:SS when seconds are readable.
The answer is **3:23**
